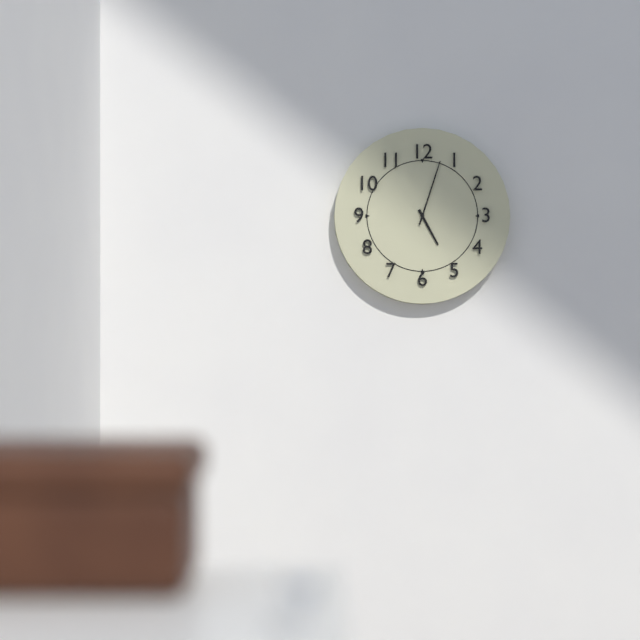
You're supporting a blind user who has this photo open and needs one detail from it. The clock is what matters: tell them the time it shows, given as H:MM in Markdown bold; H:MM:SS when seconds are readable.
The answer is **5:03**
